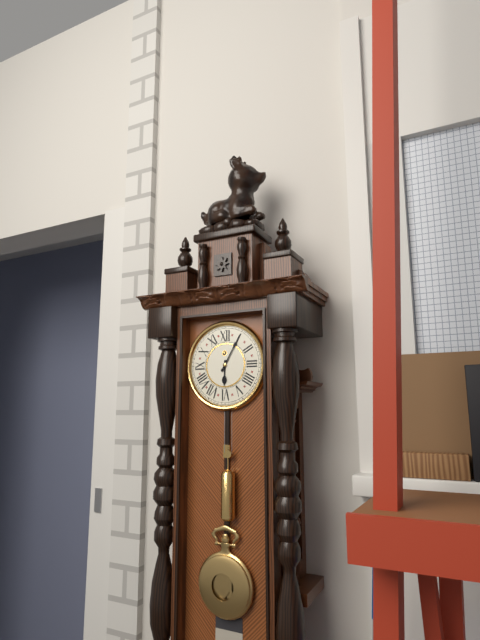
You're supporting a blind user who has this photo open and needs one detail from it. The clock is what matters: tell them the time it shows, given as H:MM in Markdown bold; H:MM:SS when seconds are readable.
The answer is **6:05**
